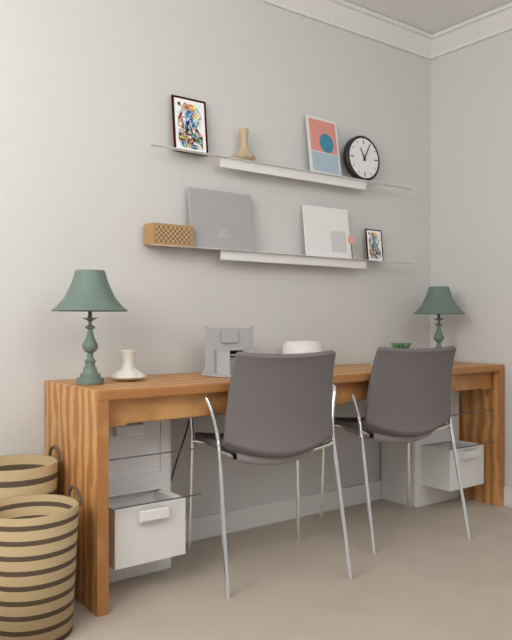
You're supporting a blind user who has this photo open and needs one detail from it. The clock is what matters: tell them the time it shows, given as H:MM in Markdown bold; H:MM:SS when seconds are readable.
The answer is **11:05**
